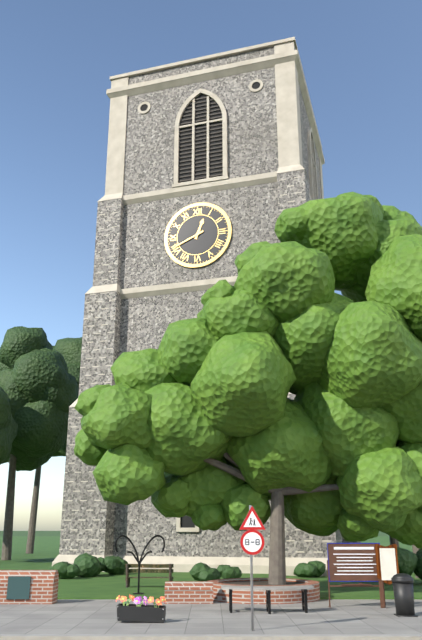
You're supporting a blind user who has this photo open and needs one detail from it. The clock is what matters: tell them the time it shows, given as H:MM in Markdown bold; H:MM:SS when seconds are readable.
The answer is **12:41**
